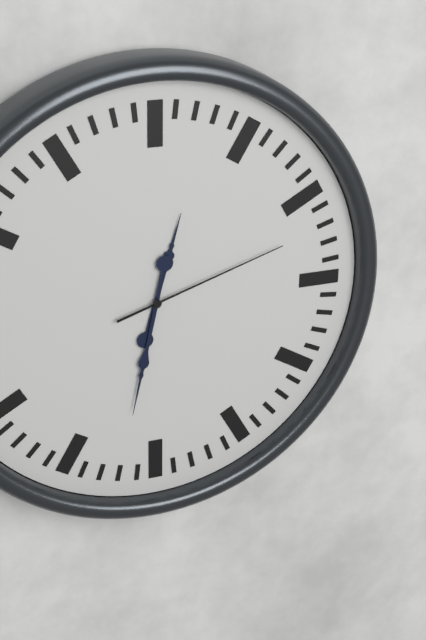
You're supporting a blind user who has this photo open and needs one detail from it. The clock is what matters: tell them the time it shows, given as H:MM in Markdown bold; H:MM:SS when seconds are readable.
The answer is **12:32:12**
